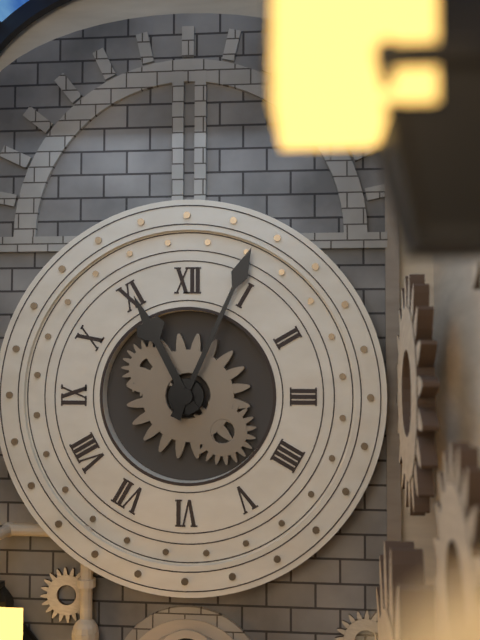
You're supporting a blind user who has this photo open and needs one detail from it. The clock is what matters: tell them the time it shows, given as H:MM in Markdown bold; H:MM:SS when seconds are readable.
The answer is **11:04**
